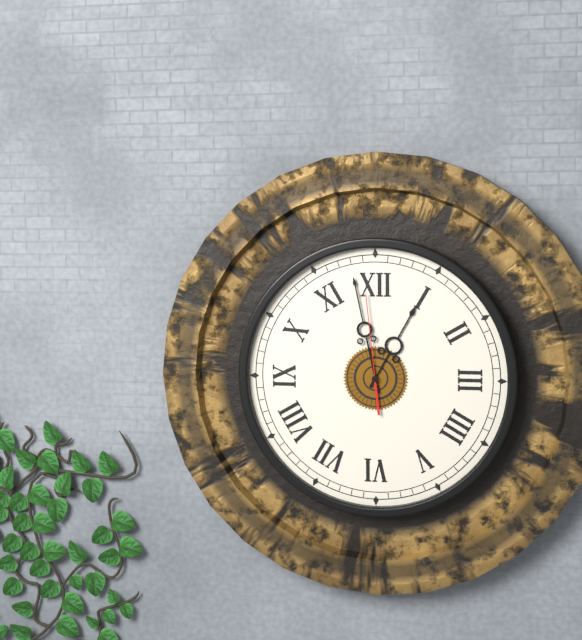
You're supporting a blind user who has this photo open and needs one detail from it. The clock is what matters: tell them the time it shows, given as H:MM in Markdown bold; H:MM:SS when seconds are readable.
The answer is **12:58:59**
